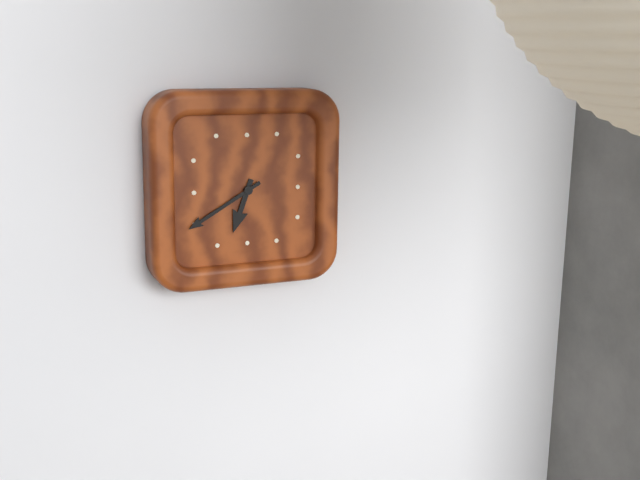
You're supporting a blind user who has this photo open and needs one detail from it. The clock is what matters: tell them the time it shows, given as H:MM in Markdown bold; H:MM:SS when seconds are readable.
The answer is **6:40**
